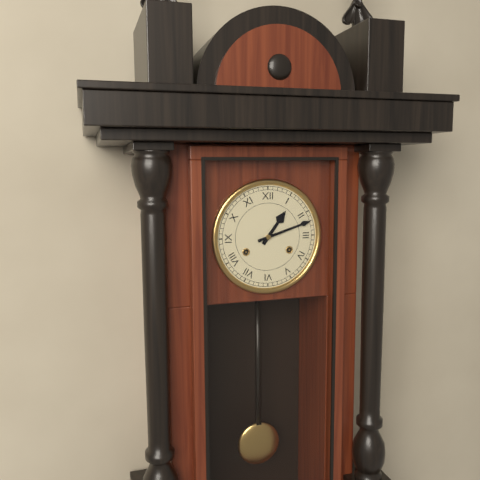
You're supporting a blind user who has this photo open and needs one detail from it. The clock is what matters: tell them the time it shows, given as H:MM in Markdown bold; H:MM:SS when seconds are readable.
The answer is **1:12**
